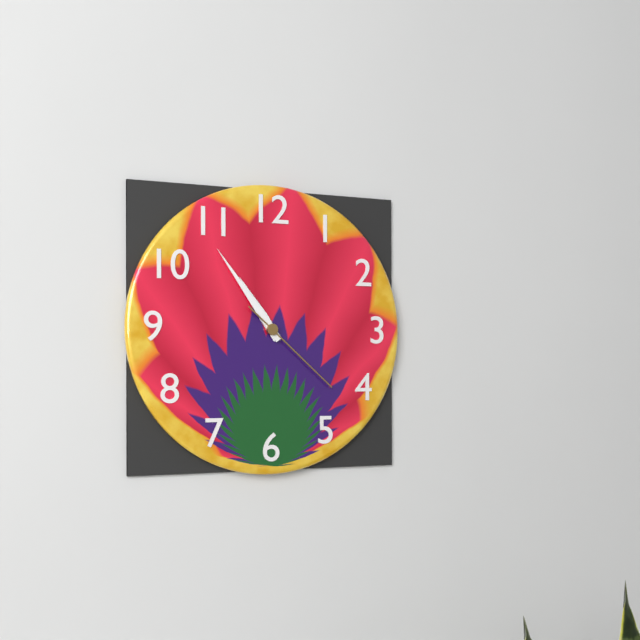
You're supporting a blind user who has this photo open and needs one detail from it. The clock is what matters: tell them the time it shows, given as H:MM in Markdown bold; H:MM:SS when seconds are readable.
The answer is **10:54:22**
